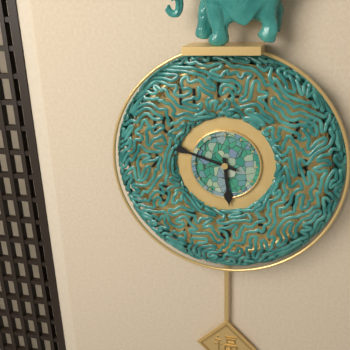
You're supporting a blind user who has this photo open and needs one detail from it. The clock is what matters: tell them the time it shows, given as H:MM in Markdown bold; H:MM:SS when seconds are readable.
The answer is **5:48**
